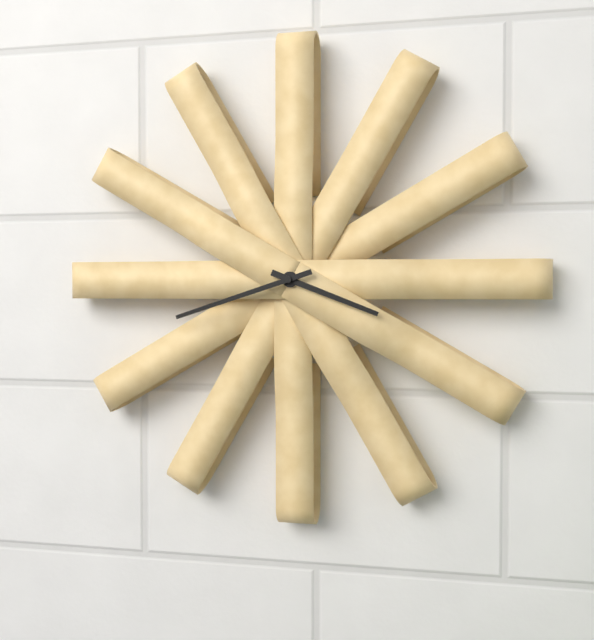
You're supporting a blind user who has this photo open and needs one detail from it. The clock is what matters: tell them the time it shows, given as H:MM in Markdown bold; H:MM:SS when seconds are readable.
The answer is **3:42**
